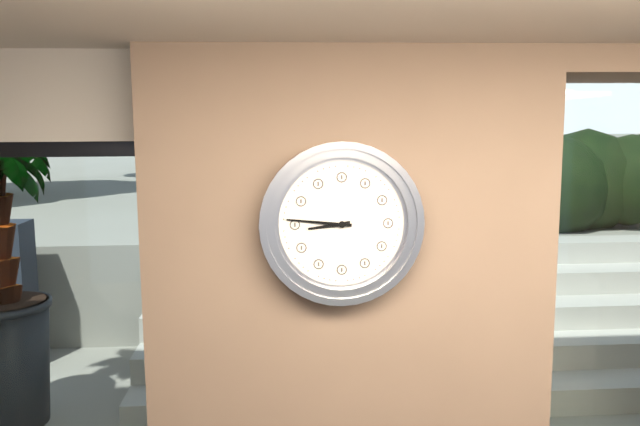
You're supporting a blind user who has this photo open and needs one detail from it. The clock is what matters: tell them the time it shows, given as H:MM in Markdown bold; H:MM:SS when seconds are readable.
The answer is **8:46**
